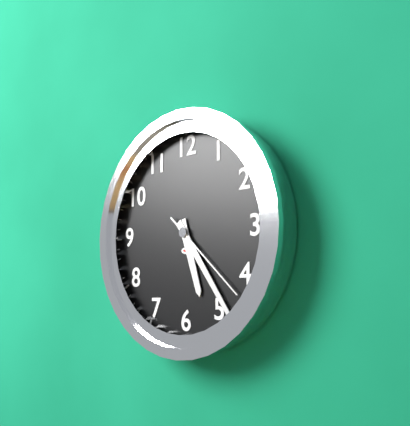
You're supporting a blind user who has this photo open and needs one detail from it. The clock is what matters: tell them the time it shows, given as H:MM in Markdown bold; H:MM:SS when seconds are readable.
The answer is **5:24:22**
